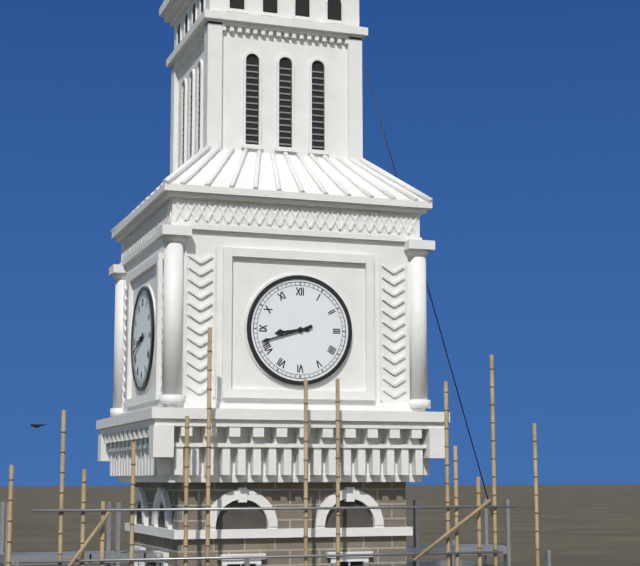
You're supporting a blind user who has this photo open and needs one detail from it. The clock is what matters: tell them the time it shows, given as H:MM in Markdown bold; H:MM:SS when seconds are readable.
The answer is **8:42**
